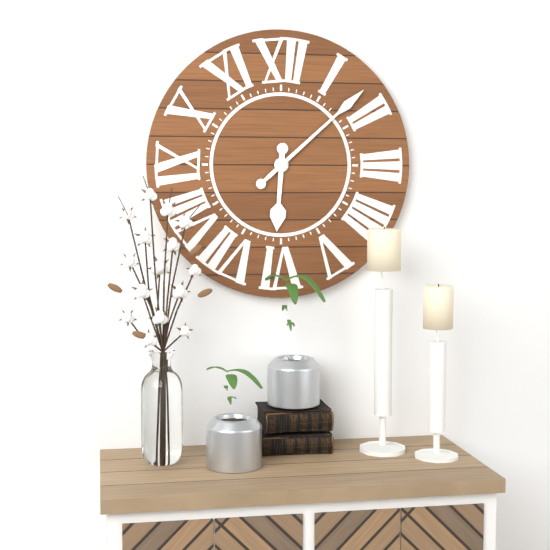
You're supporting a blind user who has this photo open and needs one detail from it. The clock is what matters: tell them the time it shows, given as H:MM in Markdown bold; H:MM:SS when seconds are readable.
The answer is **6:08**
